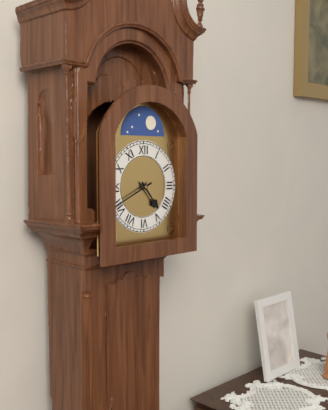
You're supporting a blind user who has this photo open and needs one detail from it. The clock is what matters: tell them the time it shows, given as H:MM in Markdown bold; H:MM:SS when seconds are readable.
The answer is **4:41**
